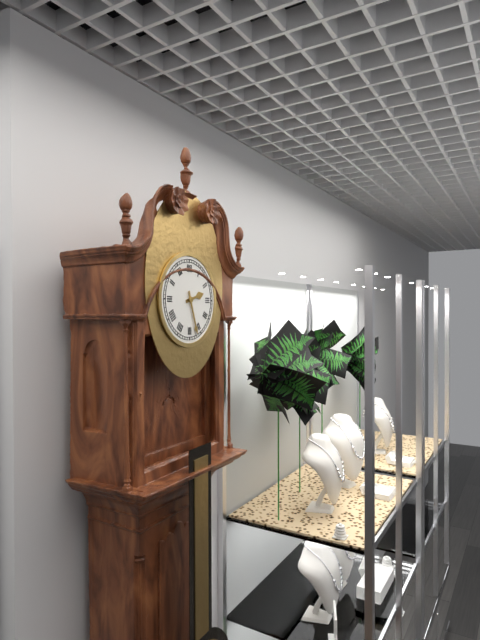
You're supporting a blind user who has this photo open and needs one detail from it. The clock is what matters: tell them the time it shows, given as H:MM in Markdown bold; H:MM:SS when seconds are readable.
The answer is **2:27**
